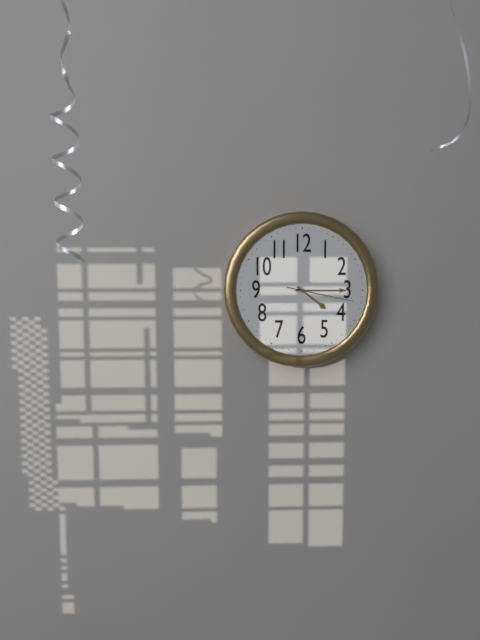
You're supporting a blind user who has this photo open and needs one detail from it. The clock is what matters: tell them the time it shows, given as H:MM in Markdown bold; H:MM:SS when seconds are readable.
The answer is **4:15:17**
